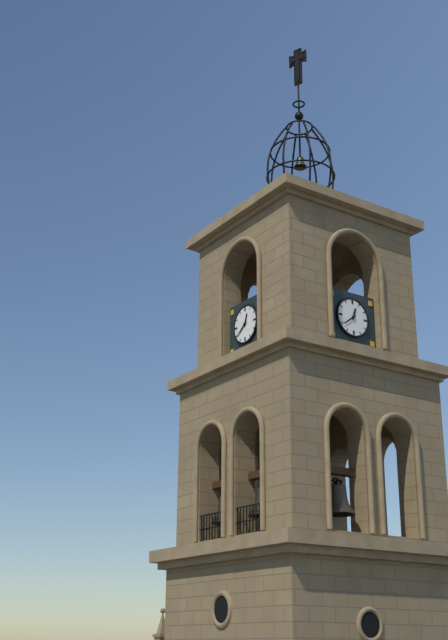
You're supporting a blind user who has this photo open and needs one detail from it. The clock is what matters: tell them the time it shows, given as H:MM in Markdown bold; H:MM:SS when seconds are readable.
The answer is **12:39**
